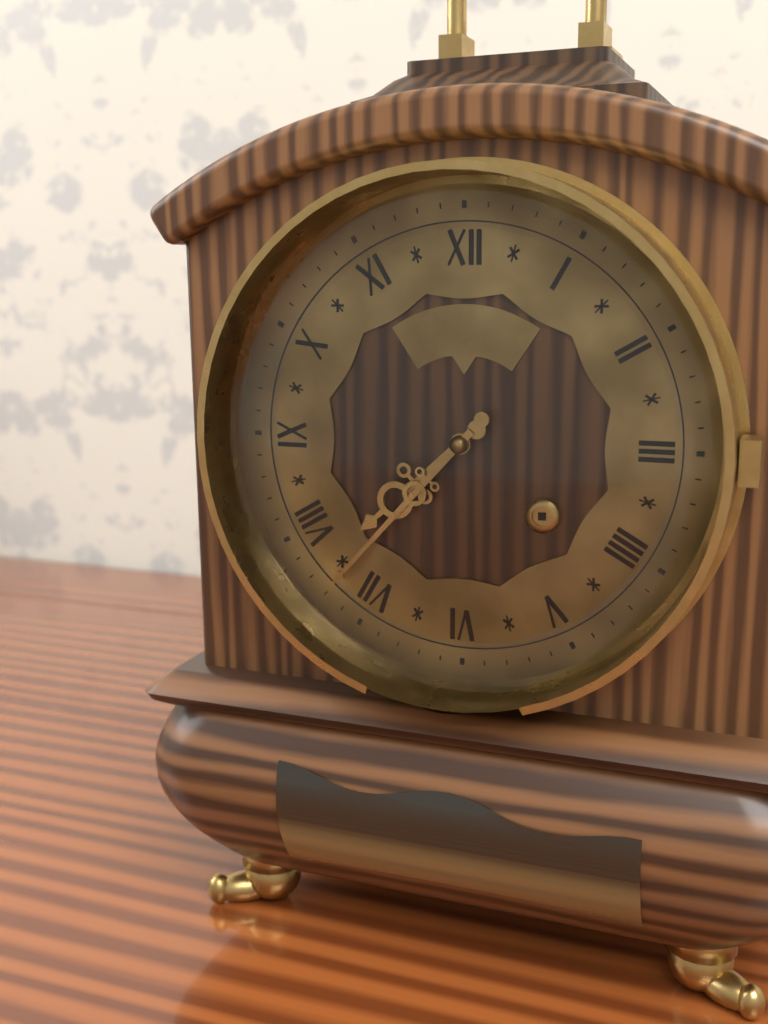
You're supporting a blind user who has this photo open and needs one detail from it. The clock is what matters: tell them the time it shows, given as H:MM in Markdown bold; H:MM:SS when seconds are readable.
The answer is **7:37**
